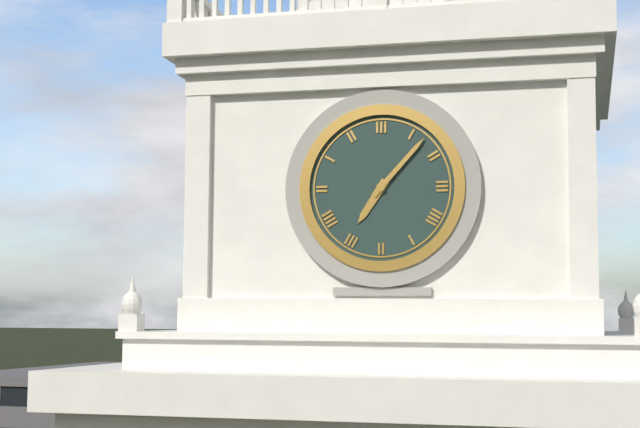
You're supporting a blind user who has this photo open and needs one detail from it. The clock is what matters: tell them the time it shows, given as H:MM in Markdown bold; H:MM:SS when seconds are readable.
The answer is **7:07**
